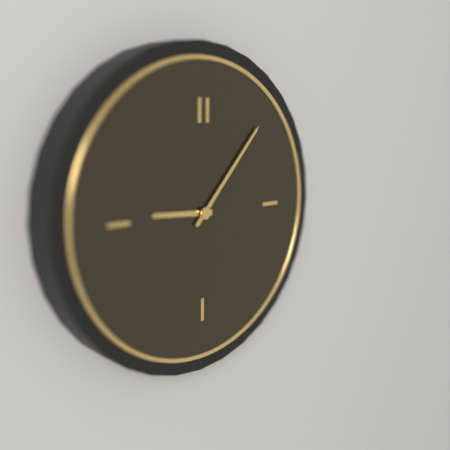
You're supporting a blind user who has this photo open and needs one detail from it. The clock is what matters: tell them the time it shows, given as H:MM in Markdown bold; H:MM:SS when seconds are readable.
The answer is **9:07**
